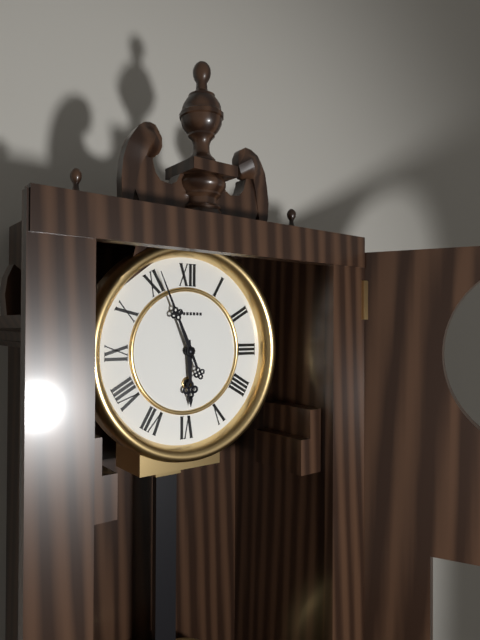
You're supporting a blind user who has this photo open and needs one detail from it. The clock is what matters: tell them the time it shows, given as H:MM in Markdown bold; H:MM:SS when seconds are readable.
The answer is **5:56**
